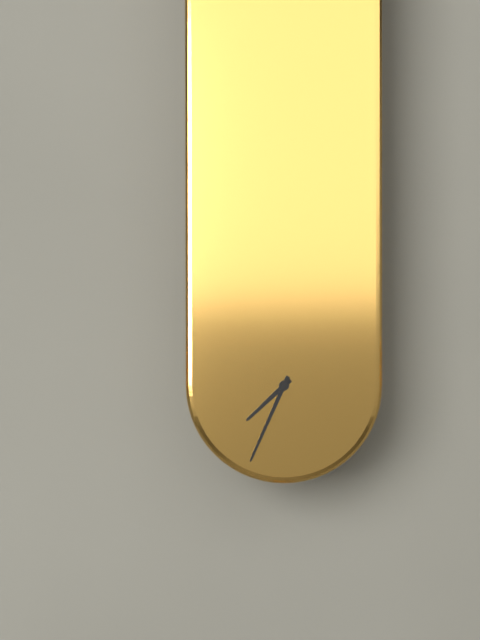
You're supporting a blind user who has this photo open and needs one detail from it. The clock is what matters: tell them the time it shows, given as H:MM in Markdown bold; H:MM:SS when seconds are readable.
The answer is **7:34**
